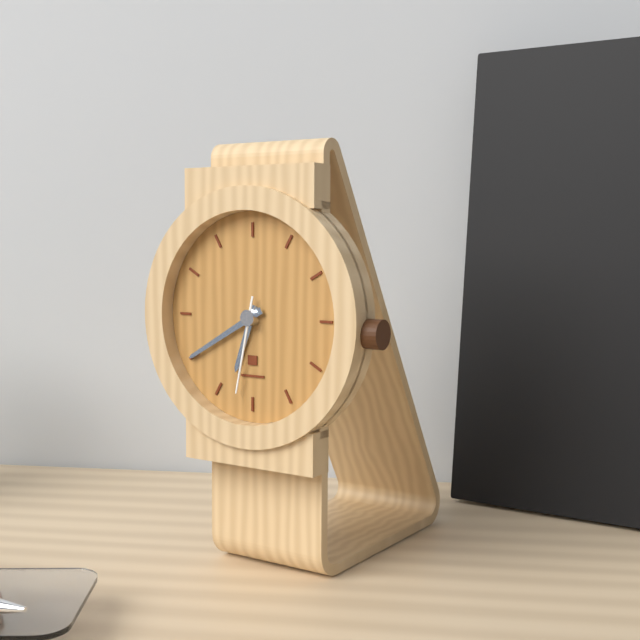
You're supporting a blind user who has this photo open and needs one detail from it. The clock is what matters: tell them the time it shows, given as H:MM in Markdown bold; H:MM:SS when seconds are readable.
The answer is **6:40:32**
